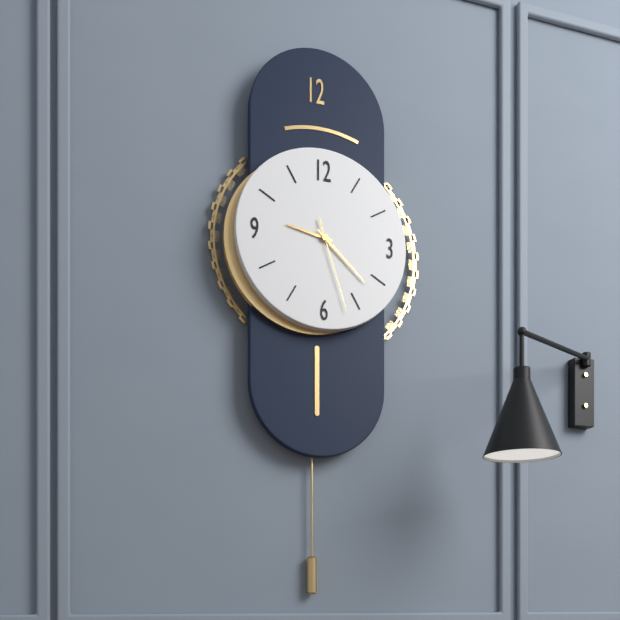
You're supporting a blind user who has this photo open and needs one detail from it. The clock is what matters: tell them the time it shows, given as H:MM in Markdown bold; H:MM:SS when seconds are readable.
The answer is **9:22:27**
